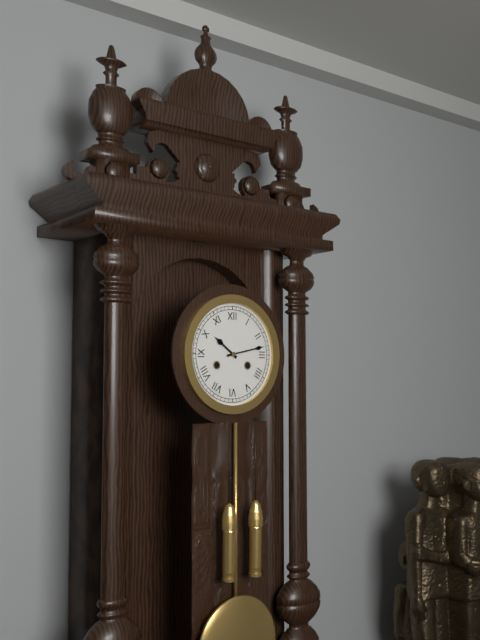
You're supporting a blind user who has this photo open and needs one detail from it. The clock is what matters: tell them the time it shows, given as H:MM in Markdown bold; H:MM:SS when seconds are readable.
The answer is **10:13**
